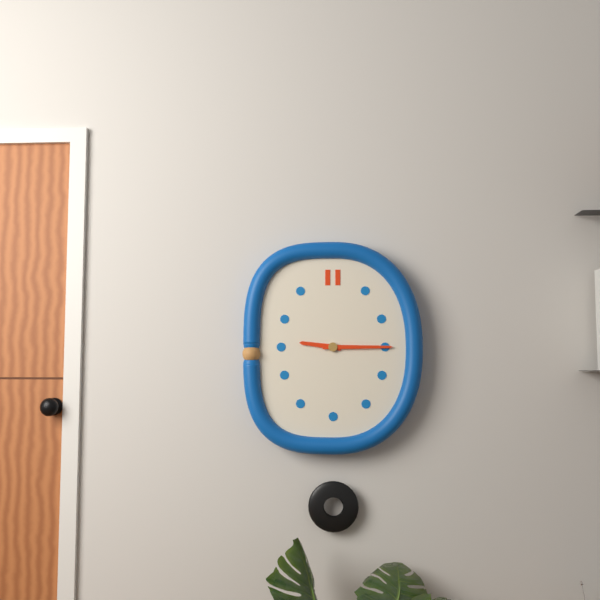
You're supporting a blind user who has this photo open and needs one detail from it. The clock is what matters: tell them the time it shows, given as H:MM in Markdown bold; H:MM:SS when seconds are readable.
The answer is **9:15**
